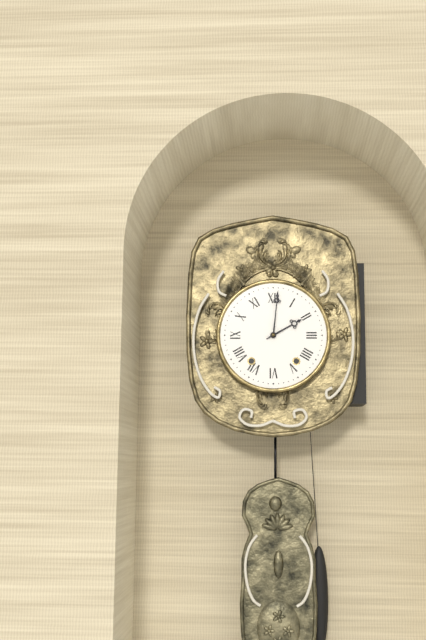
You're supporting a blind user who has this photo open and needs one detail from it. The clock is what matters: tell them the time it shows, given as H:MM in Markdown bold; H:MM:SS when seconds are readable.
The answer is **2:01**
